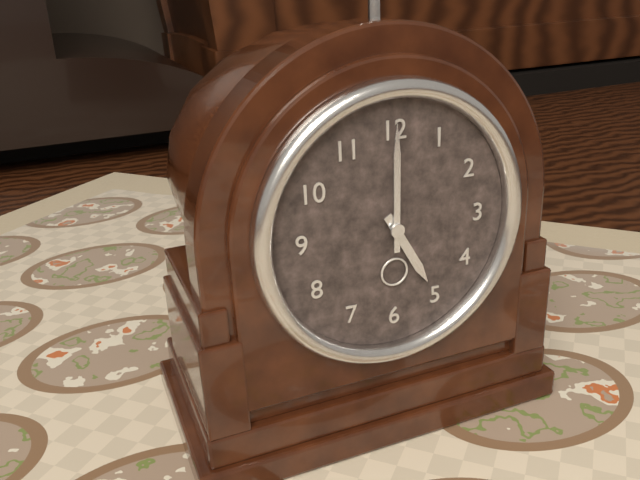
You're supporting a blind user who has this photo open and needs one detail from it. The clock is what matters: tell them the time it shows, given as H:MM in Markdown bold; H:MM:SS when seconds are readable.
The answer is **5:00**
